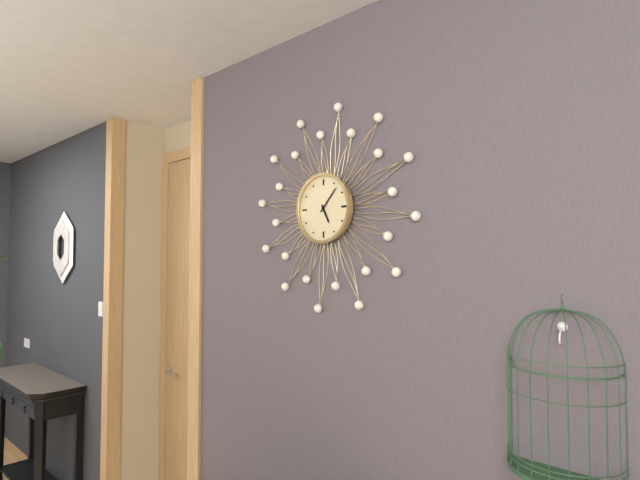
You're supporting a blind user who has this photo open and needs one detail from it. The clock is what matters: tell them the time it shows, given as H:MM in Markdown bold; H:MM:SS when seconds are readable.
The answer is **5:07**
